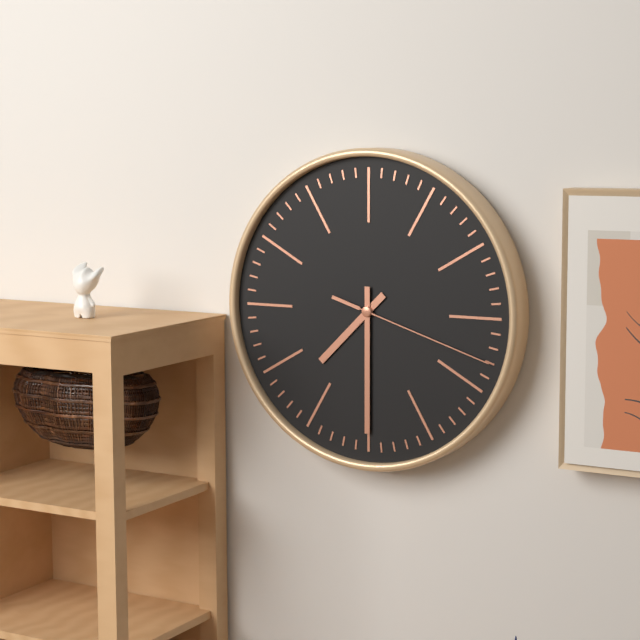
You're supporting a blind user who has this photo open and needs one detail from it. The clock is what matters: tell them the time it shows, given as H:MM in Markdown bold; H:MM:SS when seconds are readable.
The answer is **7:30:18**
